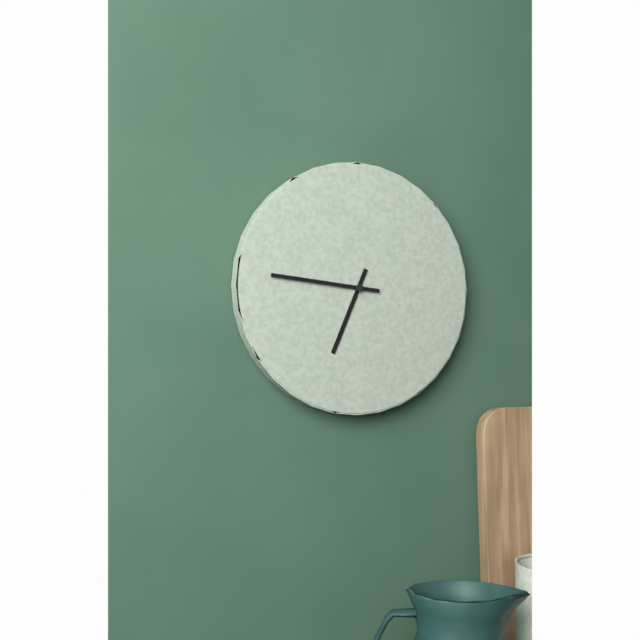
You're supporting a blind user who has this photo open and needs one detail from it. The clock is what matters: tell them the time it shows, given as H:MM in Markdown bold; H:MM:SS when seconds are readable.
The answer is **6:46**
